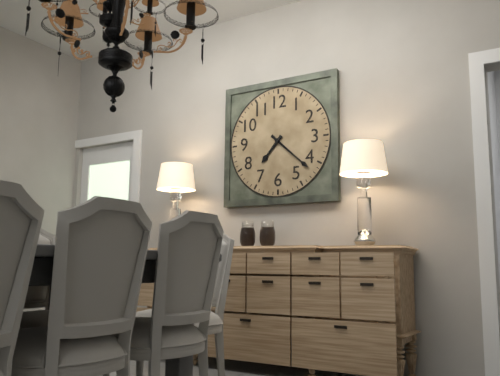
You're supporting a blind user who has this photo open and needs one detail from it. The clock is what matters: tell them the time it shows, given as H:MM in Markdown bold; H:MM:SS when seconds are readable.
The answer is **7:22**
